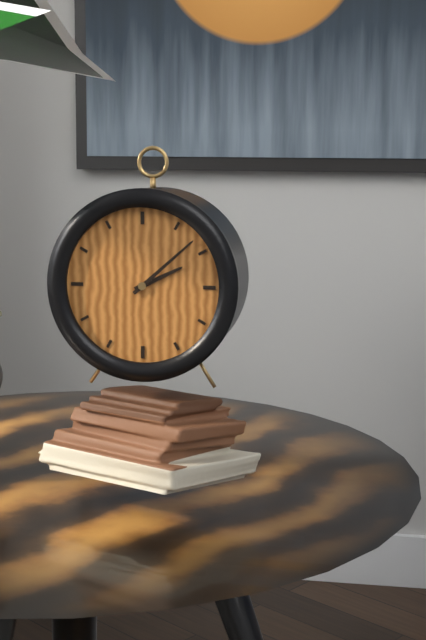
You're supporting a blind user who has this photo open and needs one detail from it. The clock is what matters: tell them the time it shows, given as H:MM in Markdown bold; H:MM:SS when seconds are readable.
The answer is **2:08**
